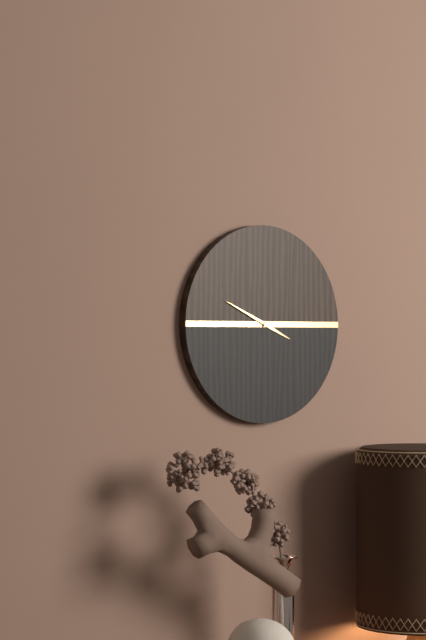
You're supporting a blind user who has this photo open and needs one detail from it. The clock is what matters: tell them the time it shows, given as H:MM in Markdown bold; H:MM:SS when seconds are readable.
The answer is **3:49**
